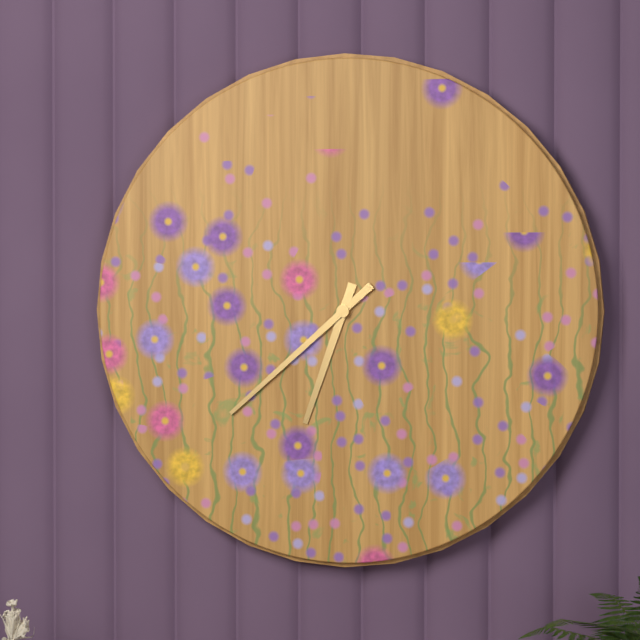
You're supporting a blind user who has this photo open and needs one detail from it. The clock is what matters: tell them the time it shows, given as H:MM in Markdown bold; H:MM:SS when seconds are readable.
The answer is **6:38**
